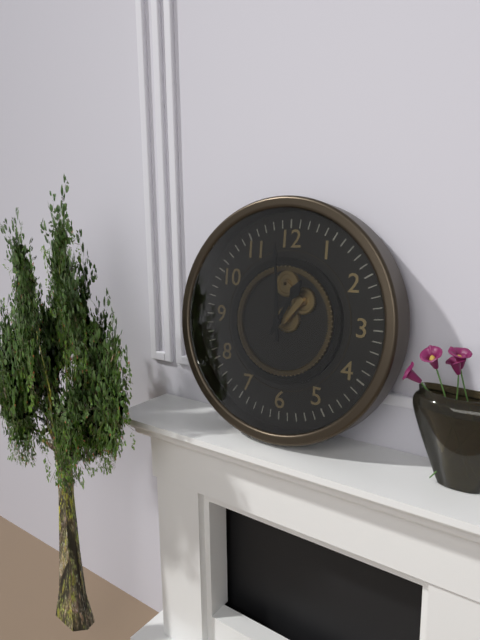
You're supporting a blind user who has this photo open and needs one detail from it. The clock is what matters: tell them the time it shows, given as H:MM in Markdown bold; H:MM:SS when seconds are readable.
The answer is **12:59**
